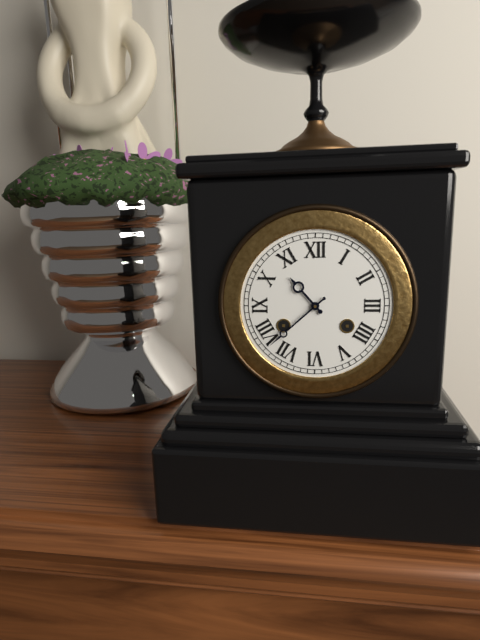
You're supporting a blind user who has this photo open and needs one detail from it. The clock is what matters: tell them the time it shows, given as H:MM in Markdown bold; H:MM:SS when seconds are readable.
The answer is **10:38**
